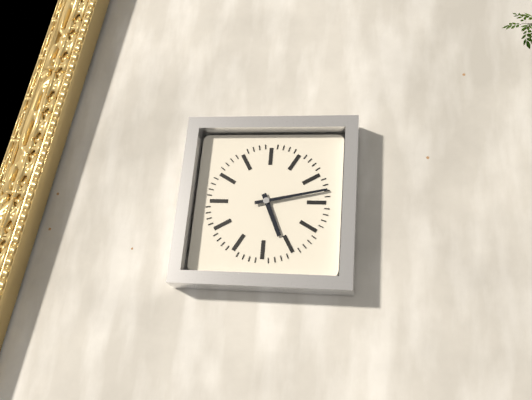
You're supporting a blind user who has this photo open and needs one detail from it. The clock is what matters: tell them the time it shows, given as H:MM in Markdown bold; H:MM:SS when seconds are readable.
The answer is **5:13**
